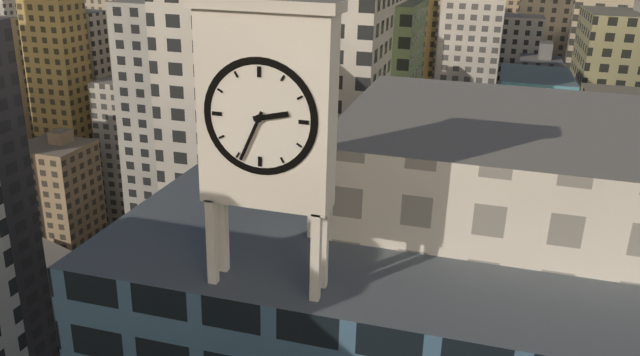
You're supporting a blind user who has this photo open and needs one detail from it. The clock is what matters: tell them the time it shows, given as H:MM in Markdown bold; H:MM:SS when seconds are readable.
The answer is **2:34**
